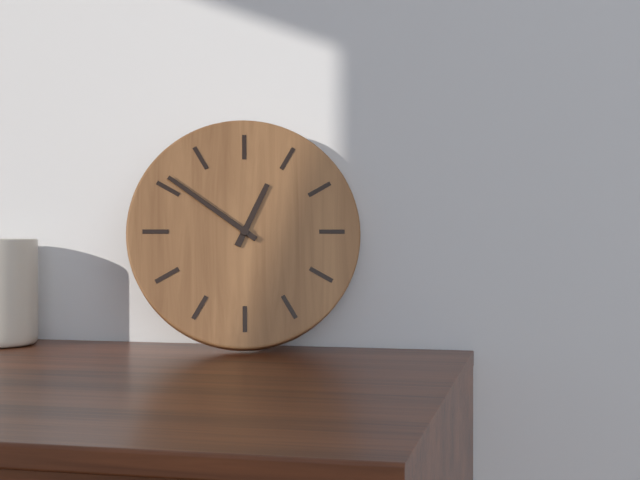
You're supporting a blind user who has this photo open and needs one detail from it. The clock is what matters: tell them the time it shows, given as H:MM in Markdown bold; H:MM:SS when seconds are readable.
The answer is **12:51**
